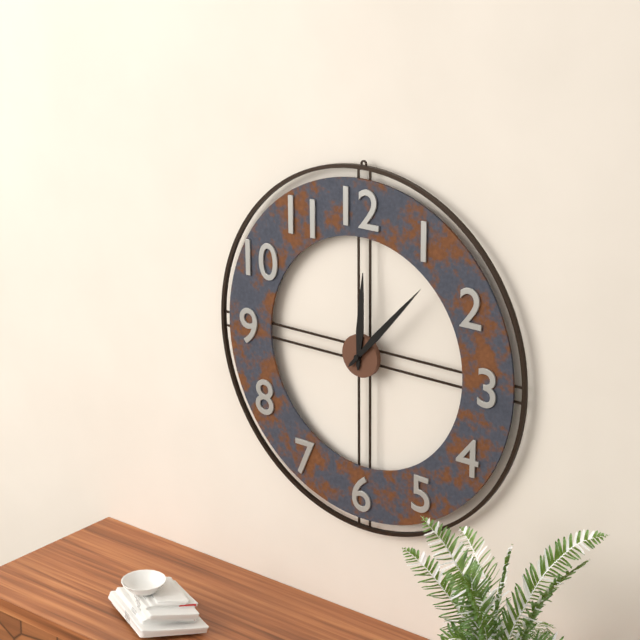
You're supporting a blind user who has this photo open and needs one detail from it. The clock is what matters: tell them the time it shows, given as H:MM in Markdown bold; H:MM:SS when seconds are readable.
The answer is **12:07**
